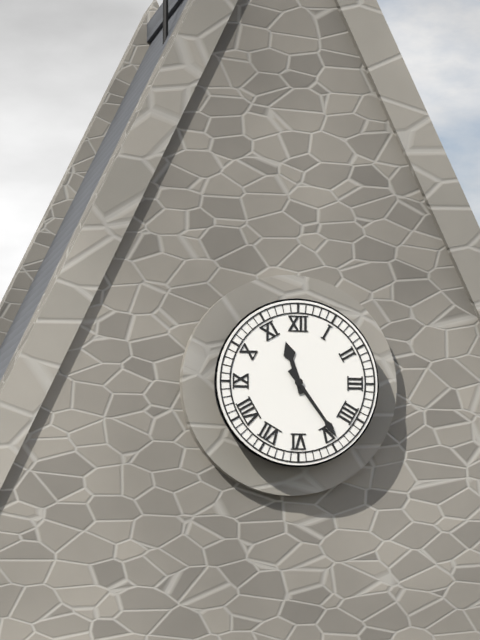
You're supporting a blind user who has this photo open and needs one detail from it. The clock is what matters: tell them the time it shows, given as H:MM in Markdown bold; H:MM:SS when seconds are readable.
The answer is **11:24**
